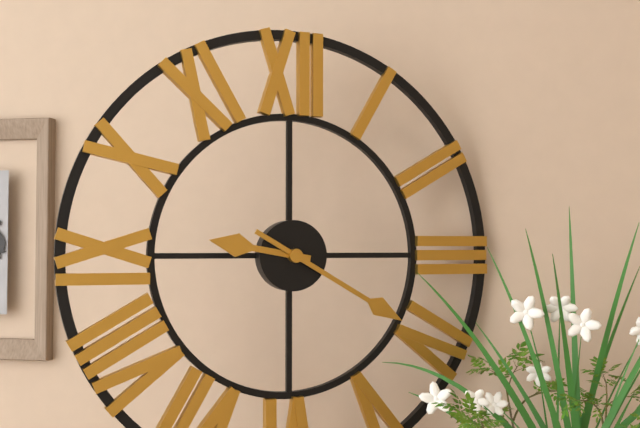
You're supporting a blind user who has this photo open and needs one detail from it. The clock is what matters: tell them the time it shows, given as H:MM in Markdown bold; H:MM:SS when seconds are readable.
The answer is **9:20**
